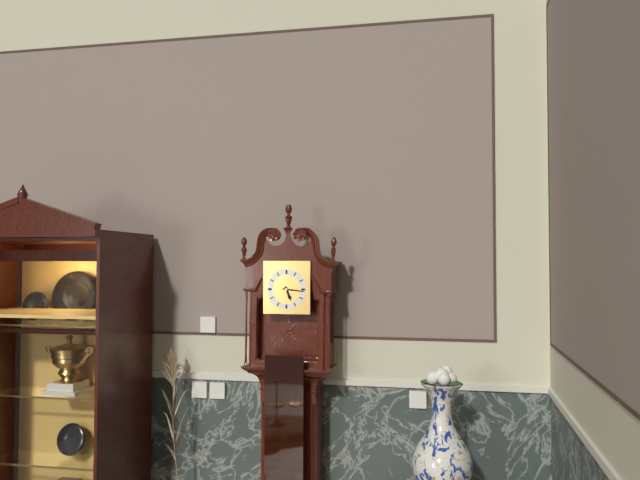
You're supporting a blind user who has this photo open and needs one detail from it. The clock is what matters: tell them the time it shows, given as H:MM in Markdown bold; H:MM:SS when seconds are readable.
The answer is **5:16**
